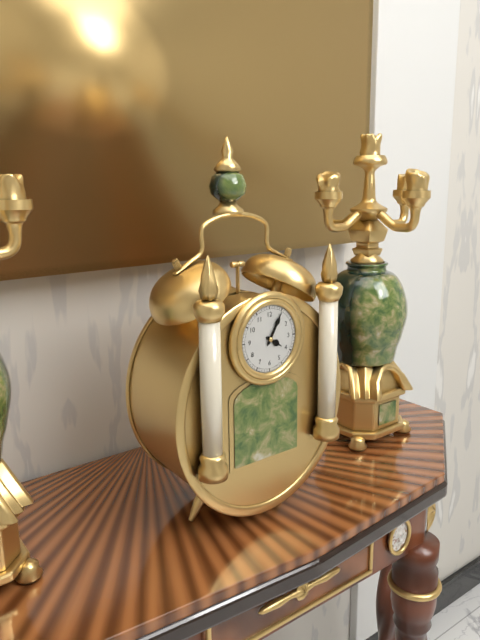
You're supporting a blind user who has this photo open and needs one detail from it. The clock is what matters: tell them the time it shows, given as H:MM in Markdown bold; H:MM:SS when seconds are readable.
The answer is **4:05**
